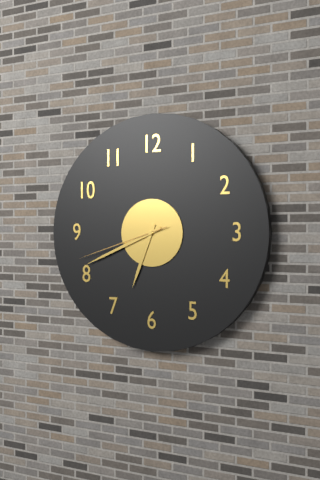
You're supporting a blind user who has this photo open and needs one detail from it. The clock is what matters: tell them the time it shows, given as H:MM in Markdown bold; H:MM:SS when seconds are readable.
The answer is **6:41:42**
